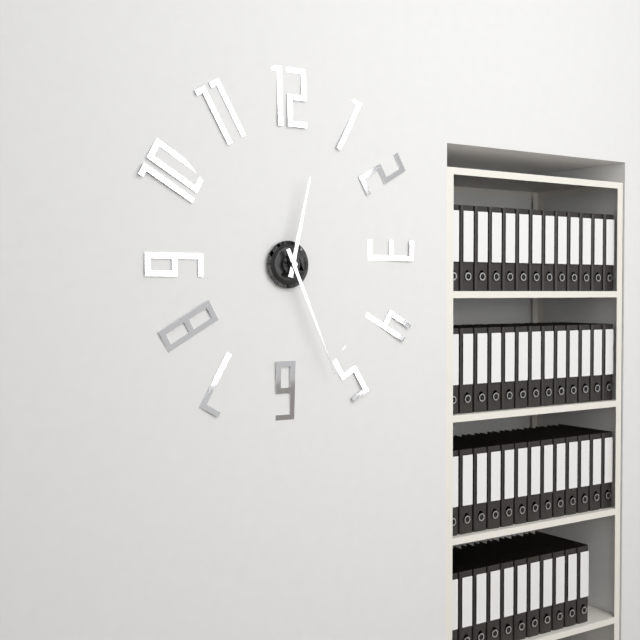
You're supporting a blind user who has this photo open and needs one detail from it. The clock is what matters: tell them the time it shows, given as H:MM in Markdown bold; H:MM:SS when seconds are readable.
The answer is **12:26**
